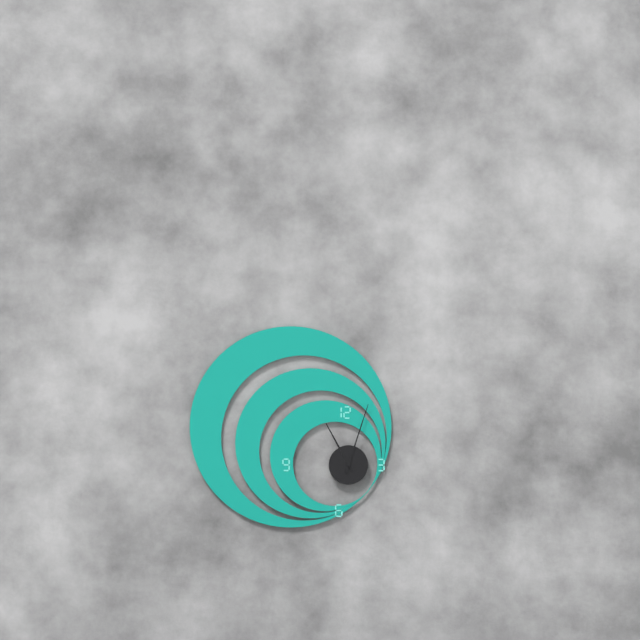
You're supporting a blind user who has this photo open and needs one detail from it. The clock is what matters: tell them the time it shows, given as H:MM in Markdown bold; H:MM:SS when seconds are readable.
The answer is **11:03**
